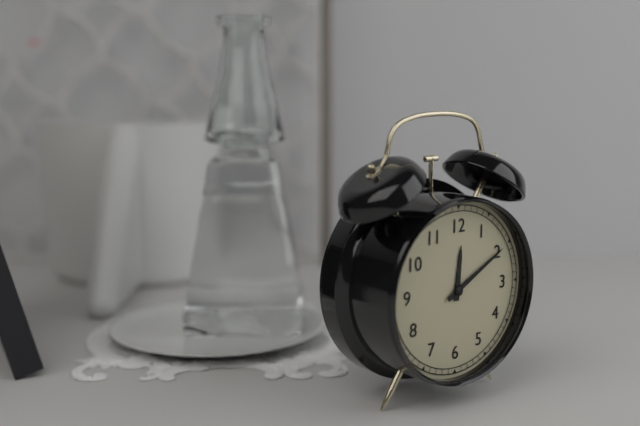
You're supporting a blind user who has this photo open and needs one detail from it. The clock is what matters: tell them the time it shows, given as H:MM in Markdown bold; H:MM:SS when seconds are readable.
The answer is **12:10**
